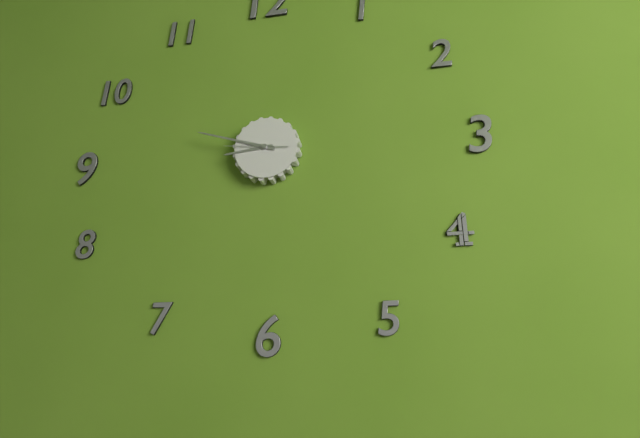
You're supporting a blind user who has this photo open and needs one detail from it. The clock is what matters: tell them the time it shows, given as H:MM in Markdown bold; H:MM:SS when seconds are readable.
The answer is **8:48:46**
